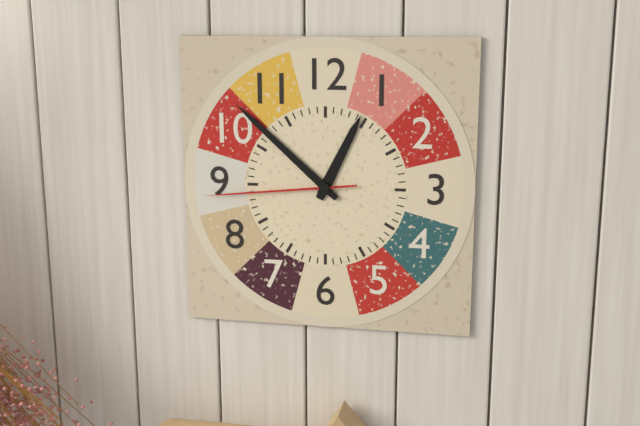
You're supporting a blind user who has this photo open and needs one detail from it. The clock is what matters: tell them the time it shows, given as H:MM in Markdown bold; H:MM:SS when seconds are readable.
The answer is **12:52:44**
